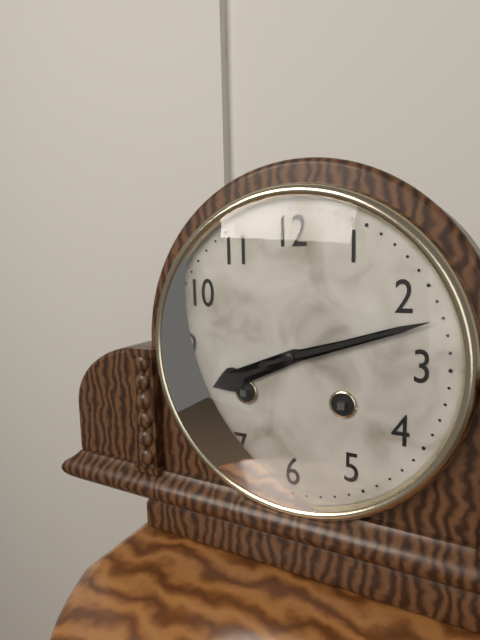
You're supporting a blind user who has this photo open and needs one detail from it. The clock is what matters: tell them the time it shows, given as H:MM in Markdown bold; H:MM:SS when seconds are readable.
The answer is **8:12**
